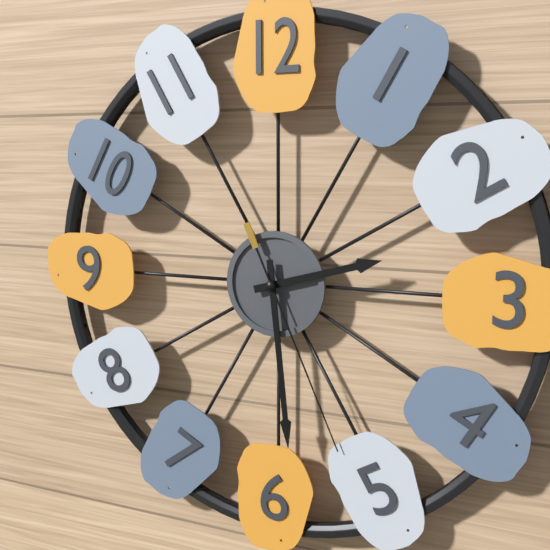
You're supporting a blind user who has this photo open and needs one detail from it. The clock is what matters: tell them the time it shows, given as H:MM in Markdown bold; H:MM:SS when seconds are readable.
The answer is **2:29:26**
